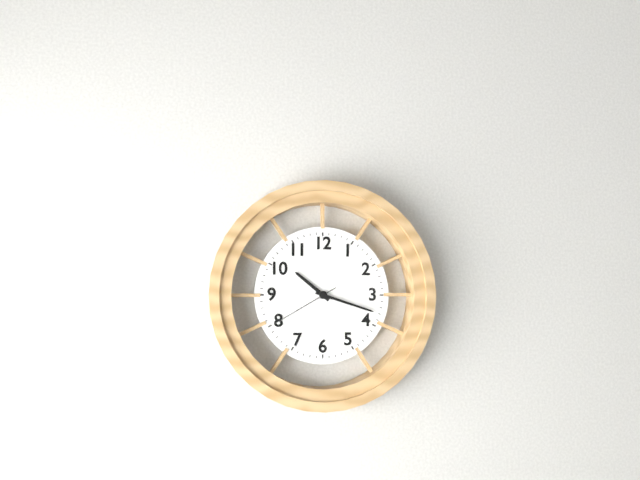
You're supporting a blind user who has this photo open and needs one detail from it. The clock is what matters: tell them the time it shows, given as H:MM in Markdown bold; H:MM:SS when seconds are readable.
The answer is **10:18:40**
